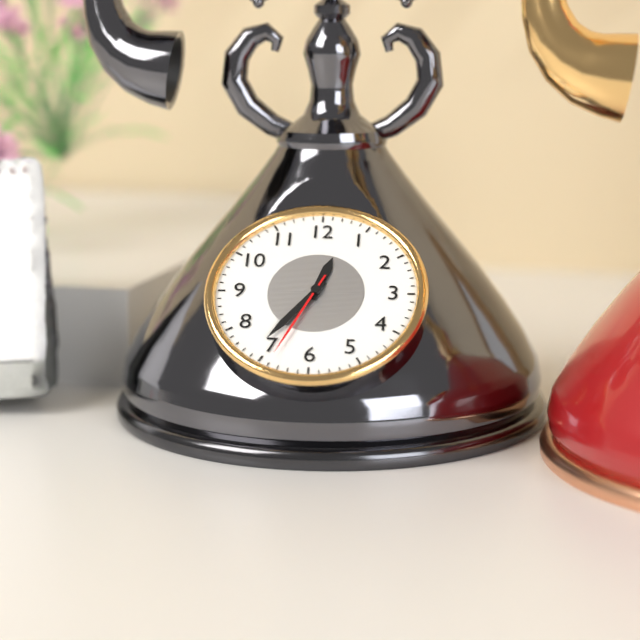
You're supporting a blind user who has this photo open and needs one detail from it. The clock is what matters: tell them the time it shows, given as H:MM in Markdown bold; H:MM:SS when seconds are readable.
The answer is **12:36:34**
